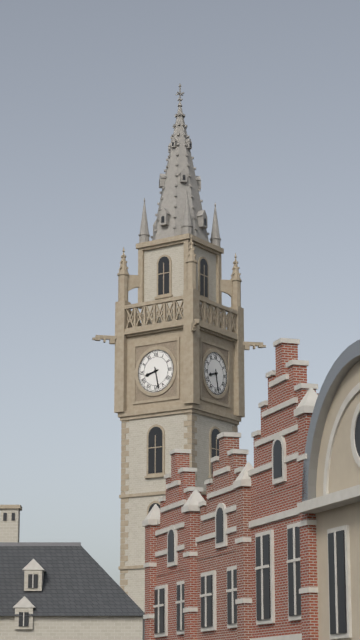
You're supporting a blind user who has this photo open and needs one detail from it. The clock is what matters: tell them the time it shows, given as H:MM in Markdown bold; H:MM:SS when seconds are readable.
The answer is **8:28**
